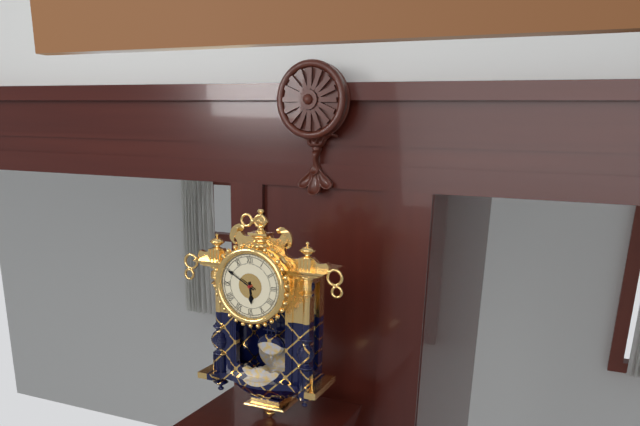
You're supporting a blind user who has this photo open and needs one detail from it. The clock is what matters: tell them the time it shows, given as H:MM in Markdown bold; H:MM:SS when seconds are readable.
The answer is **5:50**
